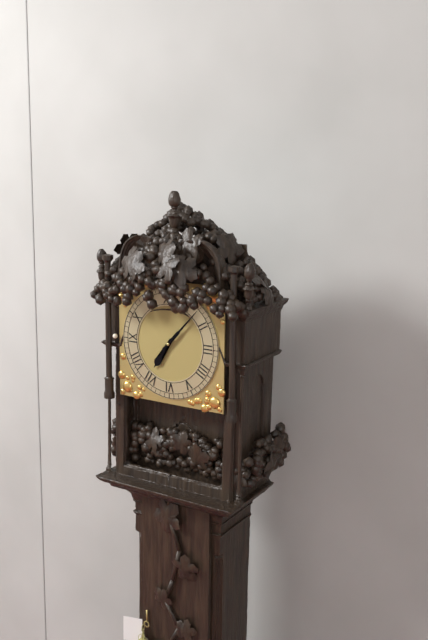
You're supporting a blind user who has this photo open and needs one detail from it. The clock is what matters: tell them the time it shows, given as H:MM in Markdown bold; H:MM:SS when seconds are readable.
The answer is **7:07**
